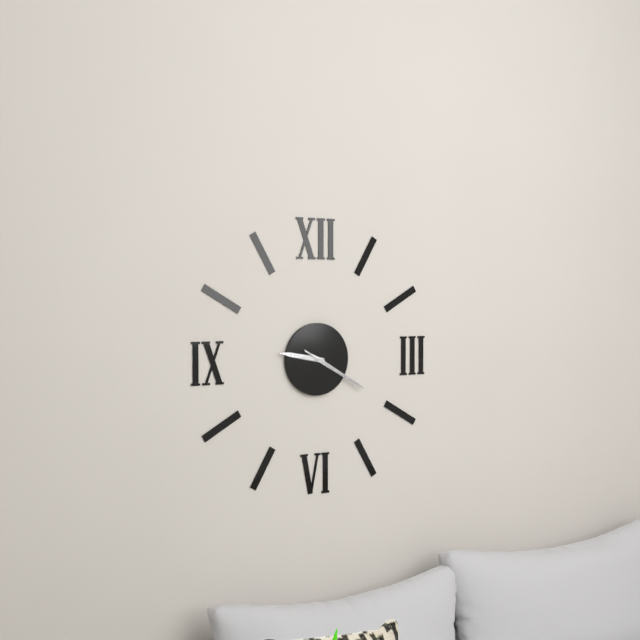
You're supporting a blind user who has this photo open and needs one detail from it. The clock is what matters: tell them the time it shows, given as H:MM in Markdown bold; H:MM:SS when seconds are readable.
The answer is **9:20:20**
